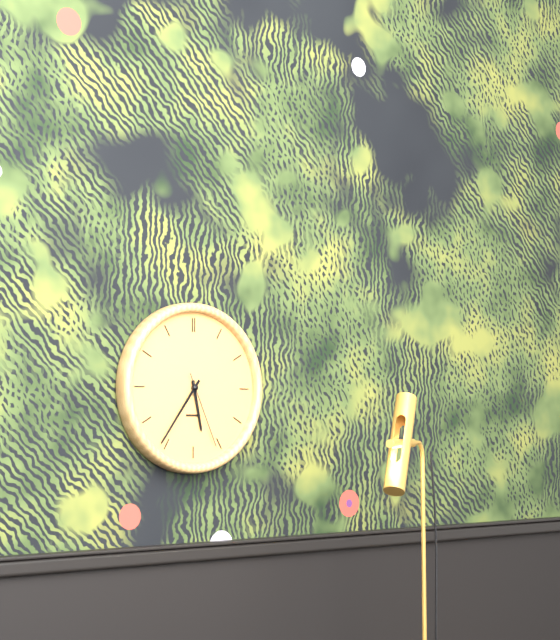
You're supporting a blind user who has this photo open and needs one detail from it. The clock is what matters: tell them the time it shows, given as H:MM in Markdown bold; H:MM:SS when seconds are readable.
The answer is **5:36:26**
